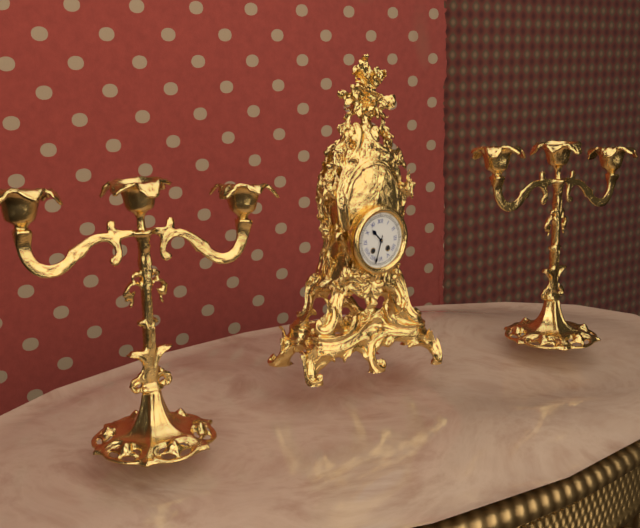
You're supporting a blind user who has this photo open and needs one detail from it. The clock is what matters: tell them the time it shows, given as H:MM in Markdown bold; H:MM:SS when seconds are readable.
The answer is **10:33**
